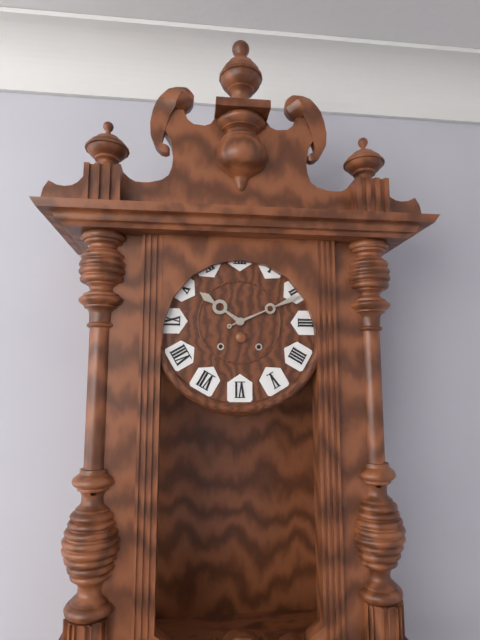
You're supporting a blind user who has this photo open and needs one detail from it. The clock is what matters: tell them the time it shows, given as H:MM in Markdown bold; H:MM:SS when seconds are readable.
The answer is **10:11**
